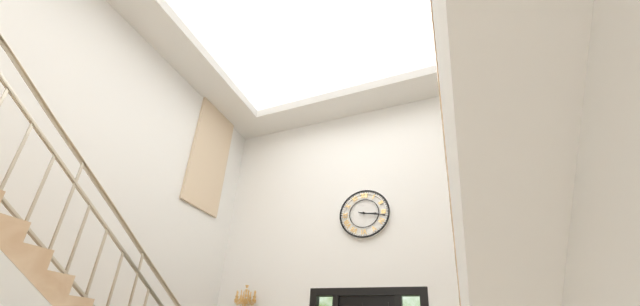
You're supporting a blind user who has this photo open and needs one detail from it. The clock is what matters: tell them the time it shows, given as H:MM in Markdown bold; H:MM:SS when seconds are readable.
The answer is **3:17**
